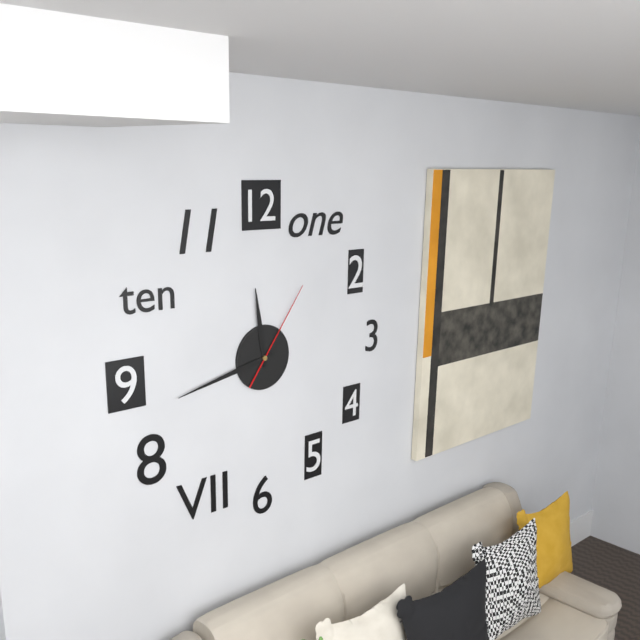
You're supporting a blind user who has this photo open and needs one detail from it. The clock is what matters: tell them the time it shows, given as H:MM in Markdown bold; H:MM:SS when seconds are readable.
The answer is **11:43:06**
